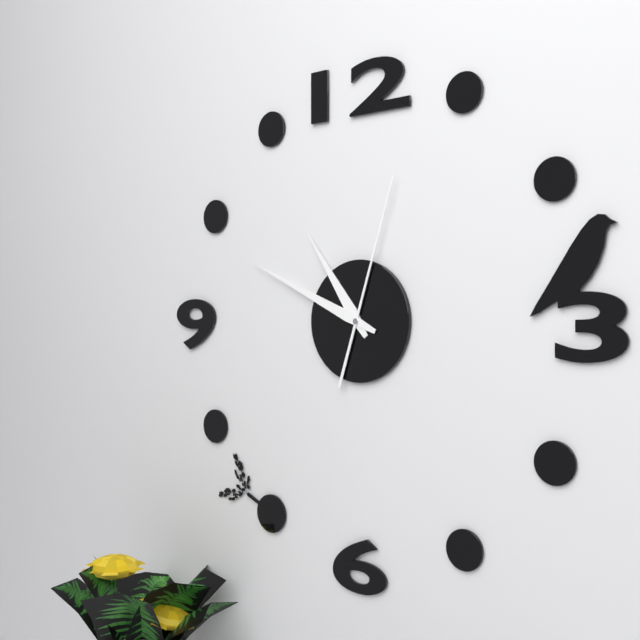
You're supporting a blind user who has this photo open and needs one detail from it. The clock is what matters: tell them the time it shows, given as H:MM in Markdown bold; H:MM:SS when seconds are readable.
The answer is **10:49:03**
